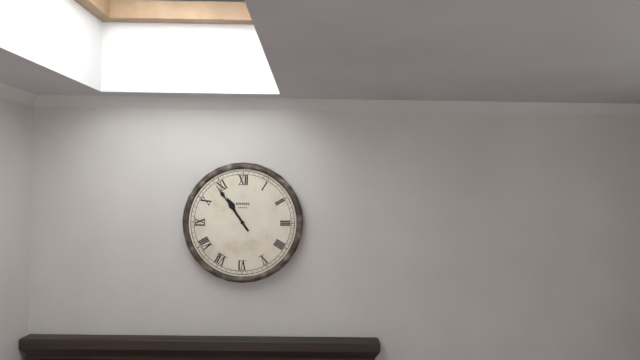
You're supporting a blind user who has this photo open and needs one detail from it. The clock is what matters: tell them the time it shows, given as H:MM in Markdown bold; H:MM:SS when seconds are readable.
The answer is **10:54**
